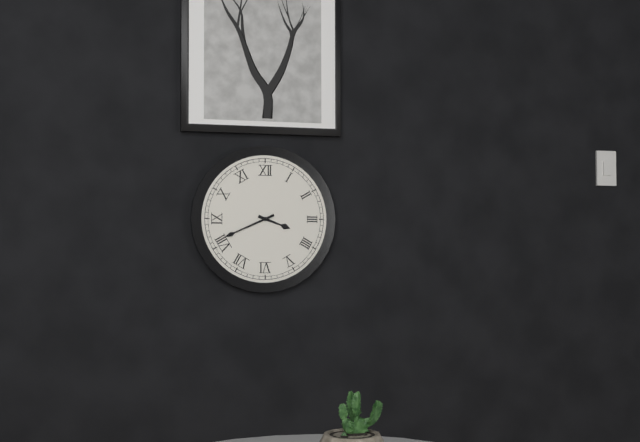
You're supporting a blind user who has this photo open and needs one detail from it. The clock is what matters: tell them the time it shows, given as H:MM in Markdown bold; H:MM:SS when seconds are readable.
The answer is **3:41**
